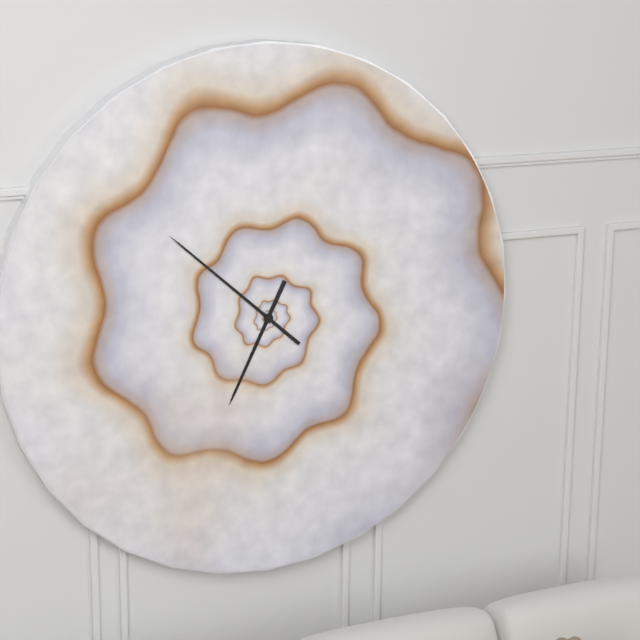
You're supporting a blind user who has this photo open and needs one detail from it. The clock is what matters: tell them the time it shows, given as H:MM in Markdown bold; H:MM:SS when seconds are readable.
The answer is **6:52**
